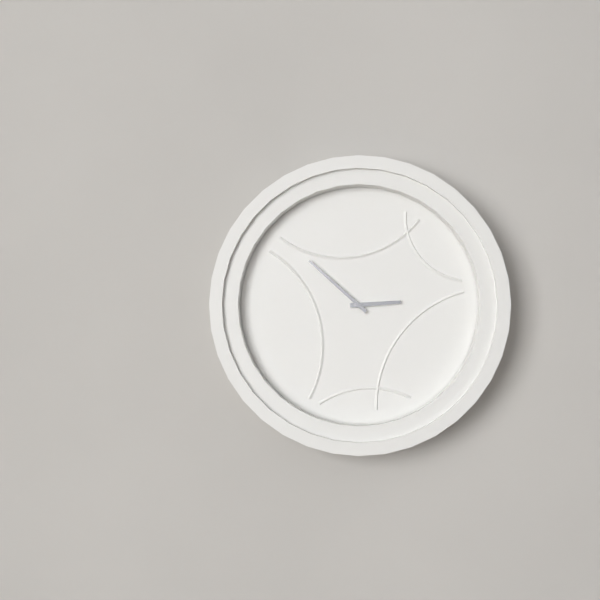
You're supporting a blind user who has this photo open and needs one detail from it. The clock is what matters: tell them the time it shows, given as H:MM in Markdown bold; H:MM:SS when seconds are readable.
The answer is **2:52**
